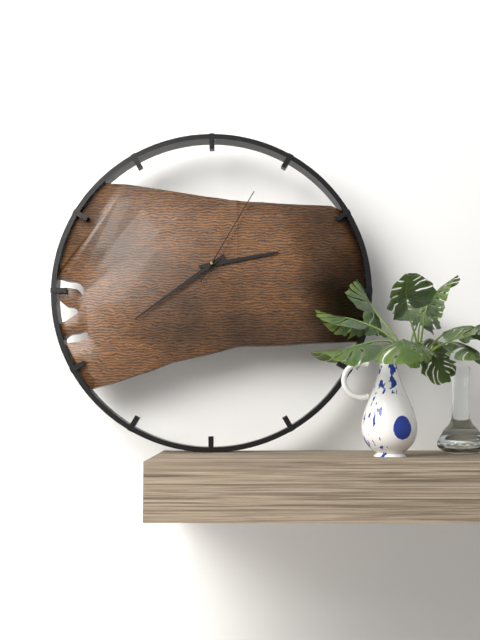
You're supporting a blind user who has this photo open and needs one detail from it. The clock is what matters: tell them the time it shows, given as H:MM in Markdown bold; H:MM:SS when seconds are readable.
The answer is **2:39:05**
